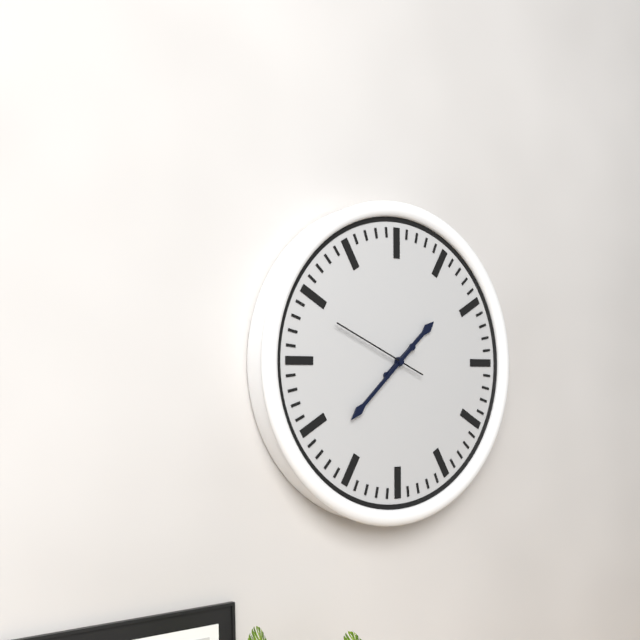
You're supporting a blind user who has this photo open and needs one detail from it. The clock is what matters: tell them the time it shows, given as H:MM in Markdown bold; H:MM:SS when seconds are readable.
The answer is **1:38:49**
